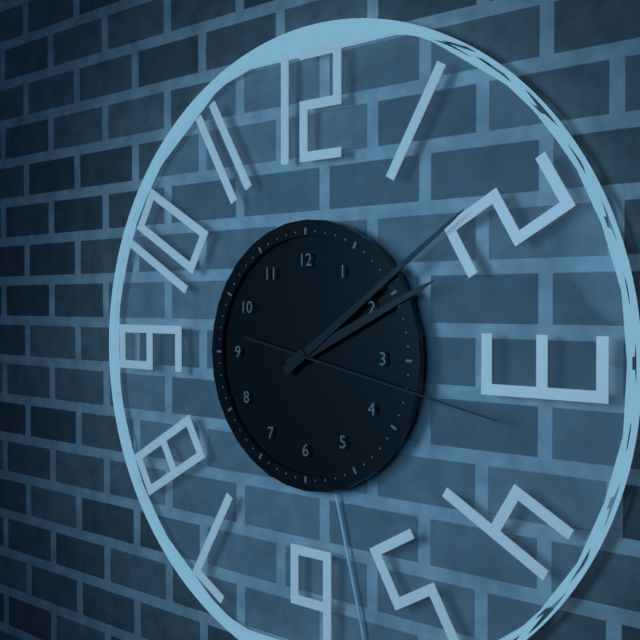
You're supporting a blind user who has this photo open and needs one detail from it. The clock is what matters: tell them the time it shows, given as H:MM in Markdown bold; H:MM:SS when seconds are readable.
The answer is **2:09:17**
